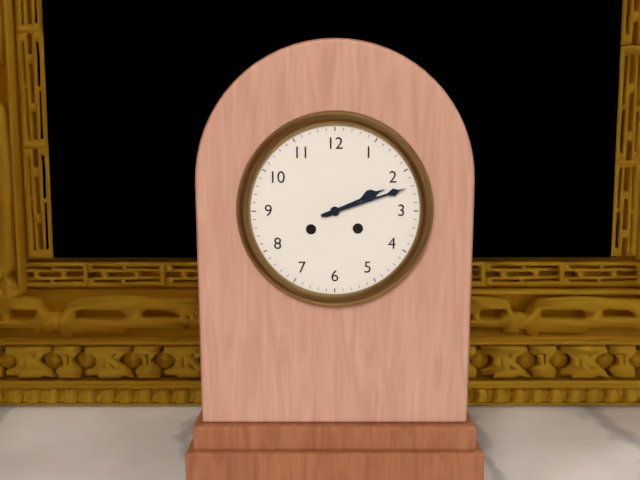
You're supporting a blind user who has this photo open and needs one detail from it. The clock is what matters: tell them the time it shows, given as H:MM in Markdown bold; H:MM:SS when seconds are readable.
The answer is **2:12**
